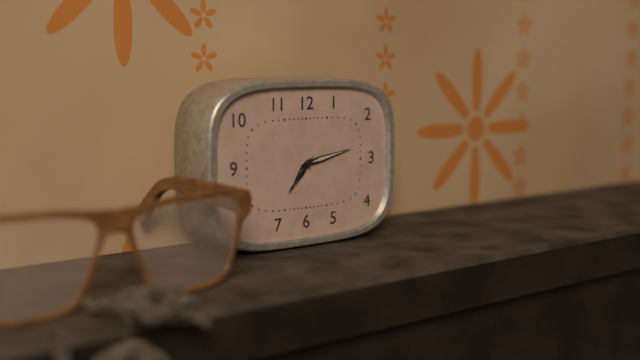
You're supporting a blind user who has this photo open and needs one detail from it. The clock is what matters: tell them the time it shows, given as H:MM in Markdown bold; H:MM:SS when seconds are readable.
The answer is **7:13**
